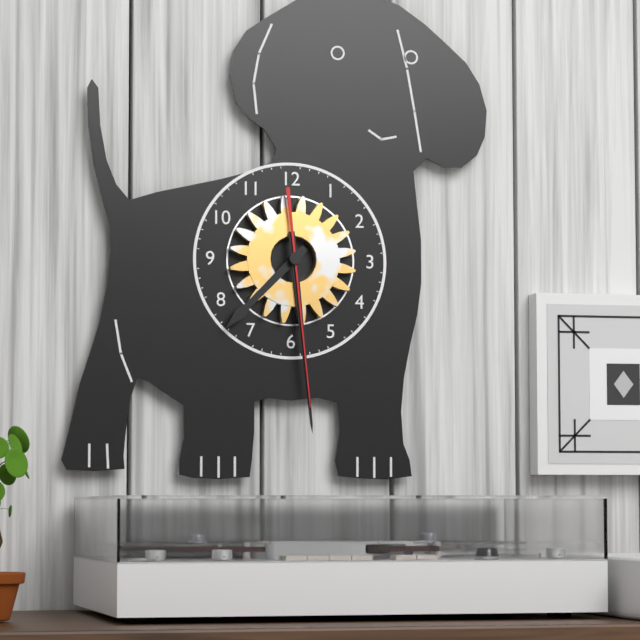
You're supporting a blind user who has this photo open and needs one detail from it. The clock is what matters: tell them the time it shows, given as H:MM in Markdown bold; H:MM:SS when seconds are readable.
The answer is **7:29:29**
